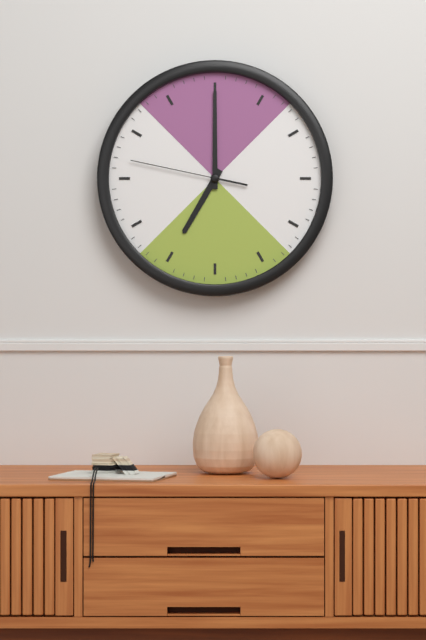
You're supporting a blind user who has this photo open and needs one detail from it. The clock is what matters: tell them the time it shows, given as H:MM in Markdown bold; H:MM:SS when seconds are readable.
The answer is **7:00:47**
